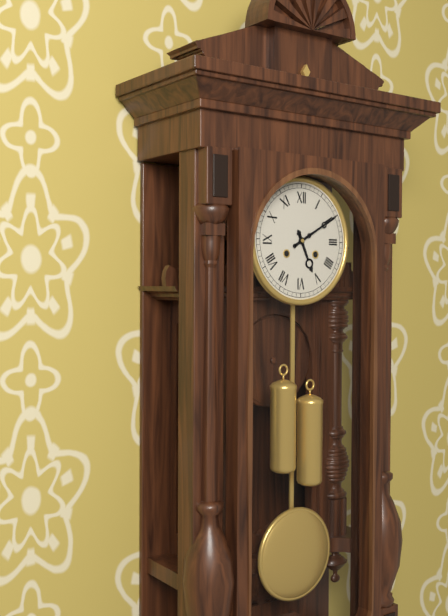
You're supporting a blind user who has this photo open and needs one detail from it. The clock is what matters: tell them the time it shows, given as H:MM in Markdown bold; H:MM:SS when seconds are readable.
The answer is **5:10**
